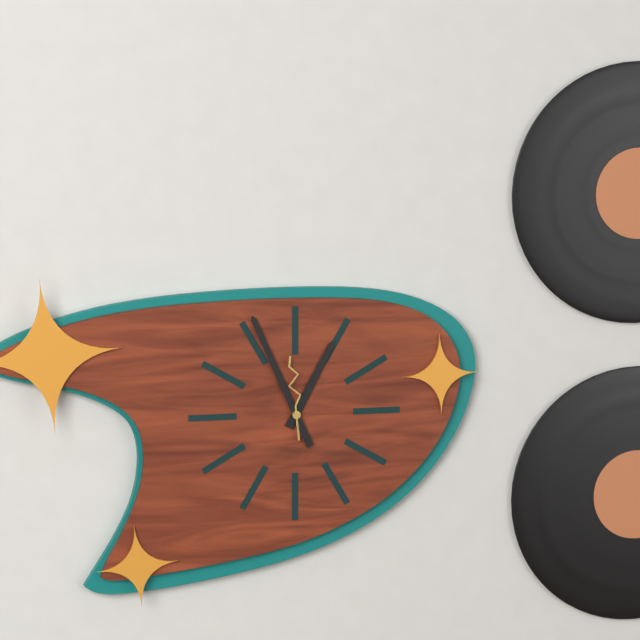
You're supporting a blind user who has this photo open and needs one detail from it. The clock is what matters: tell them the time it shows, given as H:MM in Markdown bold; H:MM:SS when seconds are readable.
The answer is **12:56:59**
